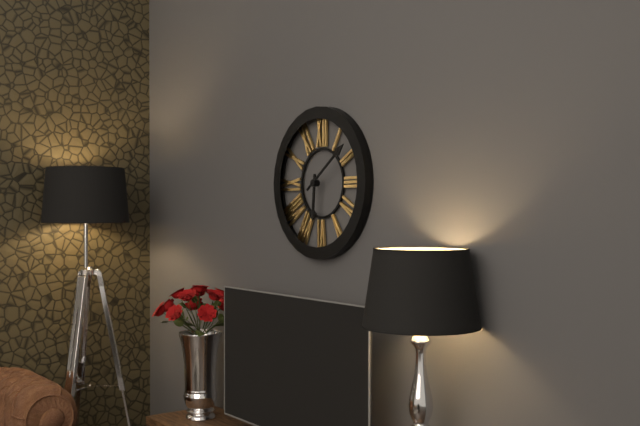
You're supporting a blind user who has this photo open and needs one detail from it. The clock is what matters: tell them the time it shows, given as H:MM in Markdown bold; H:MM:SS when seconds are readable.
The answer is **6:09**
